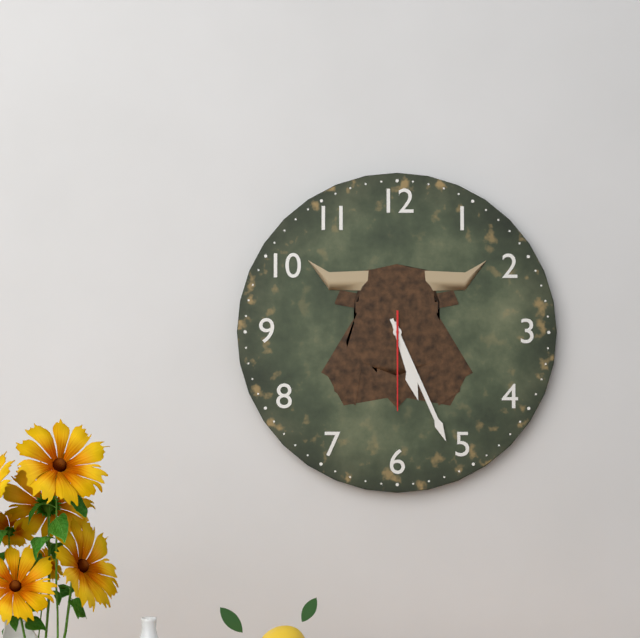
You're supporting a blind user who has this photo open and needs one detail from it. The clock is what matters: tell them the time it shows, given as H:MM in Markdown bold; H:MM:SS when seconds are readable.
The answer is **5:26:30**
